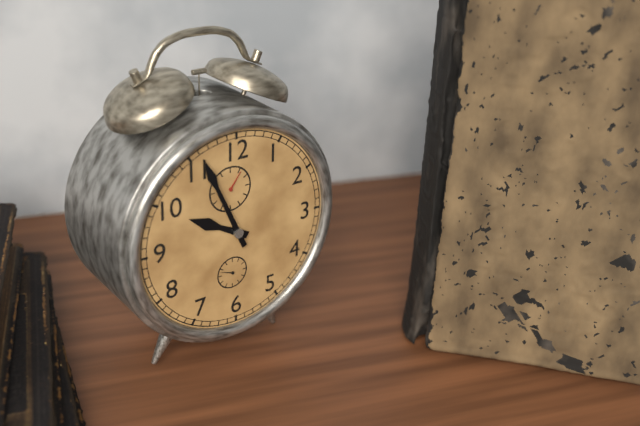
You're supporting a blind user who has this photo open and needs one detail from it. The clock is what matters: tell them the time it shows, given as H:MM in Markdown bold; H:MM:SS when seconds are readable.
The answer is **9:56**
